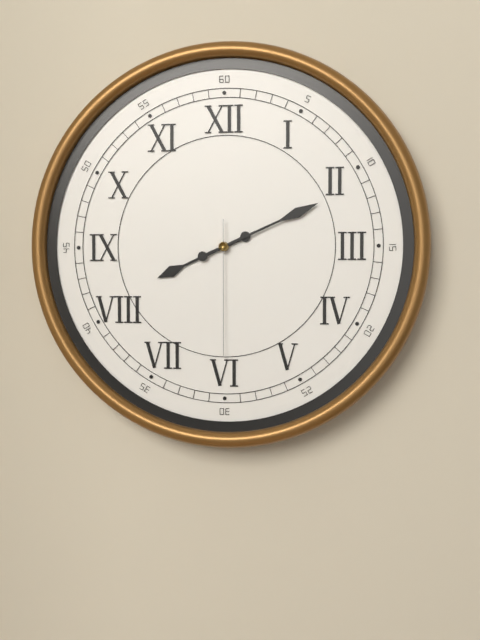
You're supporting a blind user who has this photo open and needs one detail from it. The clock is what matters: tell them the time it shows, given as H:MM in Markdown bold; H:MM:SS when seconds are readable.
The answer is **8:11:30**
